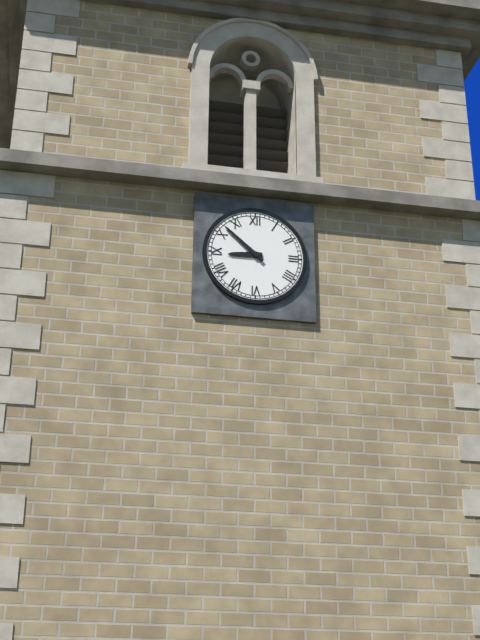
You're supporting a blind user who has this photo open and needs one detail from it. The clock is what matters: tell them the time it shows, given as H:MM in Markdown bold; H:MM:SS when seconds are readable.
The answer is **8:52**
